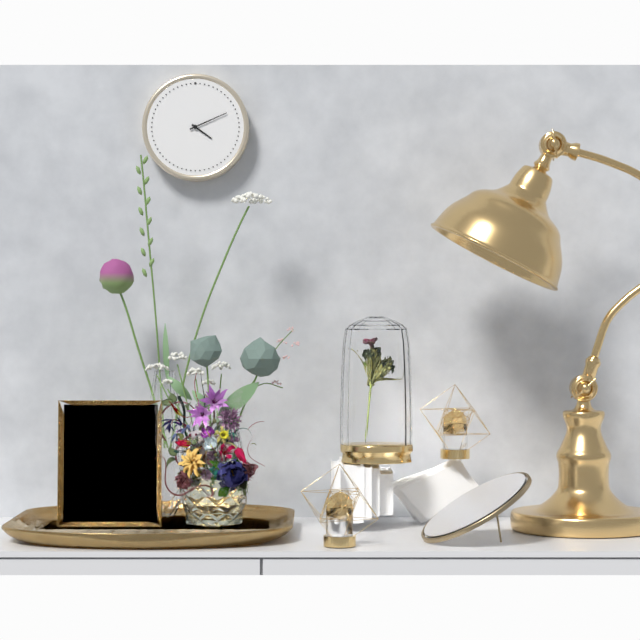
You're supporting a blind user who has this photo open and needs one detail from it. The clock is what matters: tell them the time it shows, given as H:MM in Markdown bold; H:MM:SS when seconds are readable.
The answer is **4:11**
